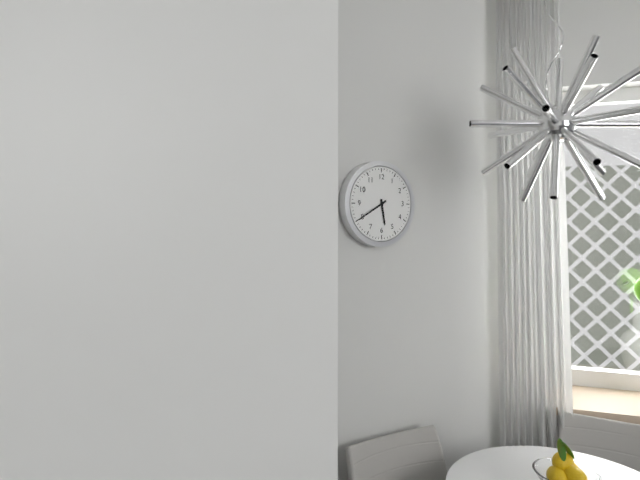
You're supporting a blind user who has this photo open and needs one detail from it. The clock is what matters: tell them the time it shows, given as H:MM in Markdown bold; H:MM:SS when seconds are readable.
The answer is **5:40**
